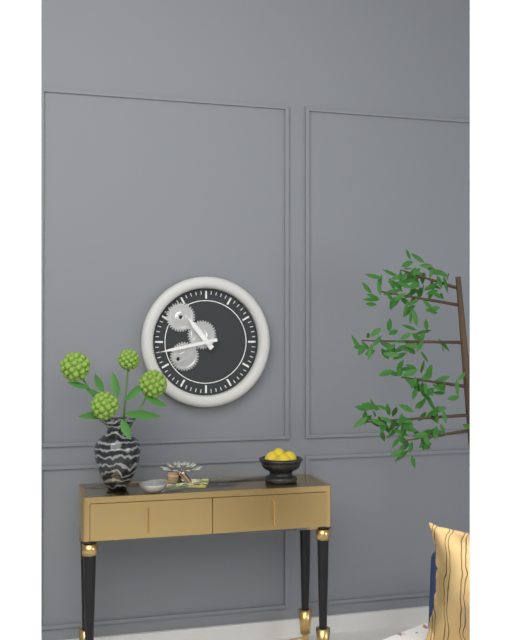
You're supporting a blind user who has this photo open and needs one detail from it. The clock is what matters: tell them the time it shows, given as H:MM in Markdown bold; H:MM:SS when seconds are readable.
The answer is **10:43**
